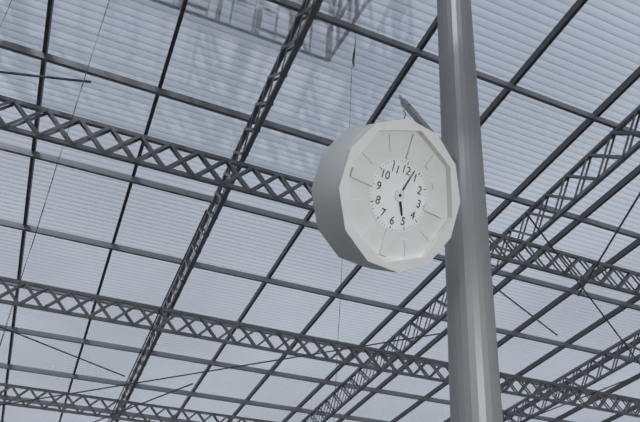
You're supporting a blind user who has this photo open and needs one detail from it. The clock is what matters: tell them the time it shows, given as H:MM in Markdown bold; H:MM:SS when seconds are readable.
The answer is **5:03**
